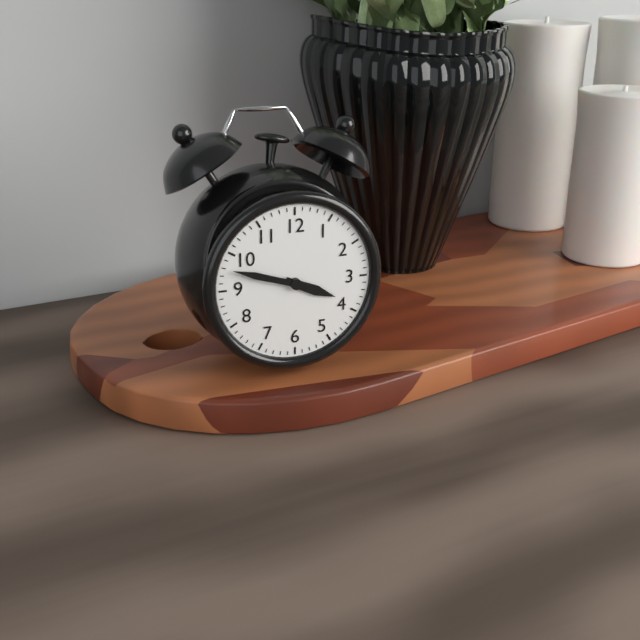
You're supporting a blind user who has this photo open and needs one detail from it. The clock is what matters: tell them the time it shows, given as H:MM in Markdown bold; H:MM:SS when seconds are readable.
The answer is **3:48**
